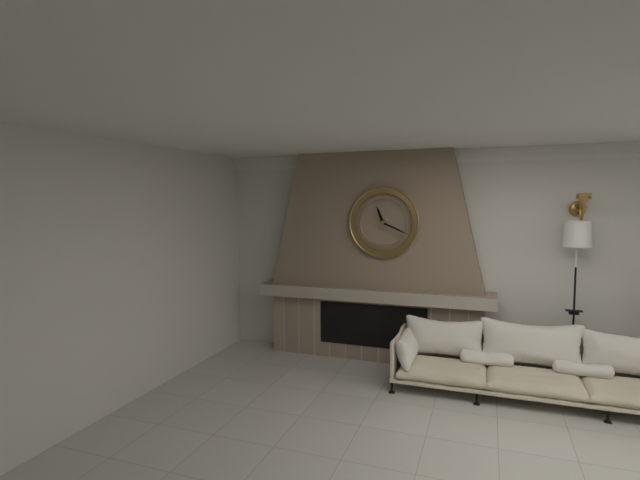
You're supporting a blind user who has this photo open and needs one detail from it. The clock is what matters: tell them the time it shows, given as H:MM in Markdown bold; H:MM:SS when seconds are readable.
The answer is **11:19**
